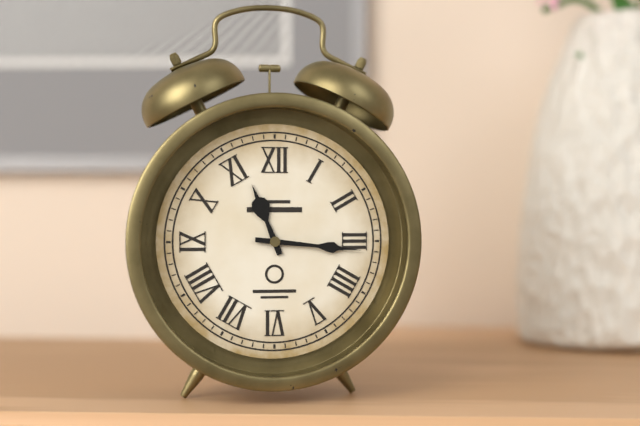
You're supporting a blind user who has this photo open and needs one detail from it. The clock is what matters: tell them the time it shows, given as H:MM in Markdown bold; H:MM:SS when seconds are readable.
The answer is **11:16**
